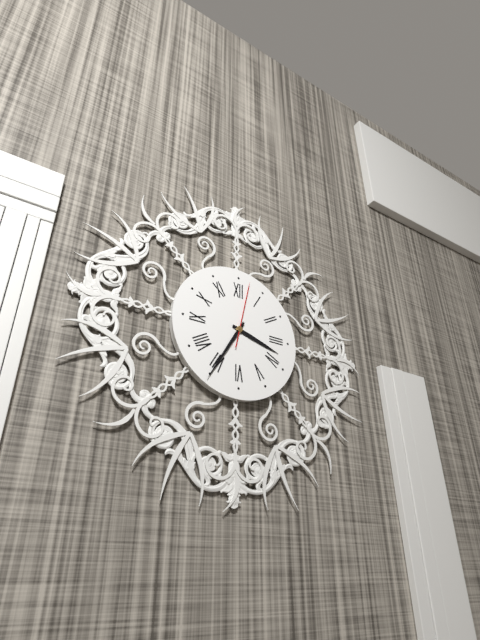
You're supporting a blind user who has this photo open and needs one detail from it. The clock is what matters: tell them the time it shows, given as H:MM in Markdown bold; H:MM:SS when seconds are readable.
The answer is **3:35:02**
